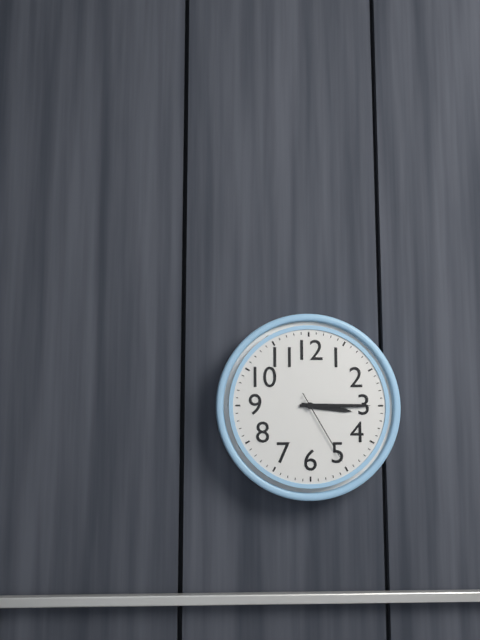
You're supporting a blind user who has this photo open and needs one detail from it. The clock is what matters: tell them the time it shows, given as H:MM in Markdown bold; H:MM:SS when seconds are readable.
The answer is **3:15:25**
